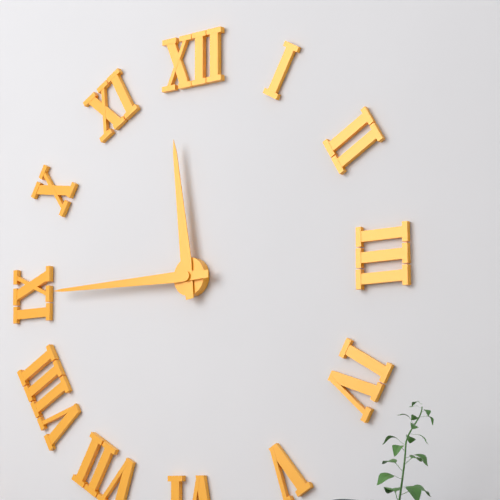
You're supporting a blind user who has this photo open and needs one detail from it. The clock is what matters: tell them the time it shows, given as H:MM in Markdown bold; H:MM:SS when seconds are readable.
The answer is **11:45**
